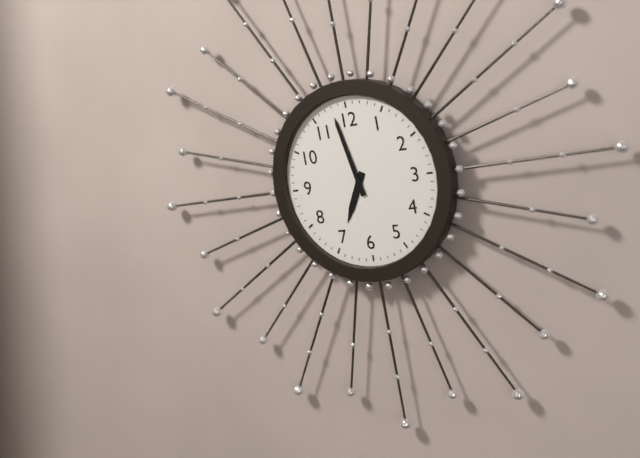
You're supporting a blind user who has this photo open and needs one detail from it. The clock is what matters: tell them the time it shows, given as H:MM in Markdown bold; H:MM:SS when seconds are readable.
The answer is **6:58**
